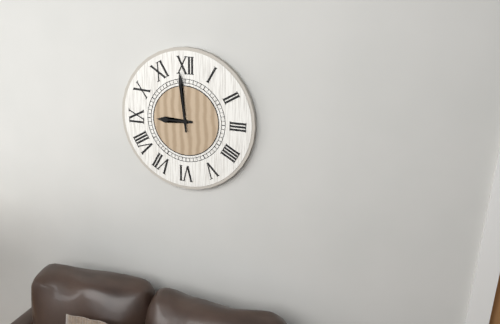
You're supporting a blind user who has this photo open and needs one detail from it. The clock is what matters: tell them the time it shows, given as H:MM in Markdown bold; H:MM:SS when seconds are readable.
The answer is **8:59**
